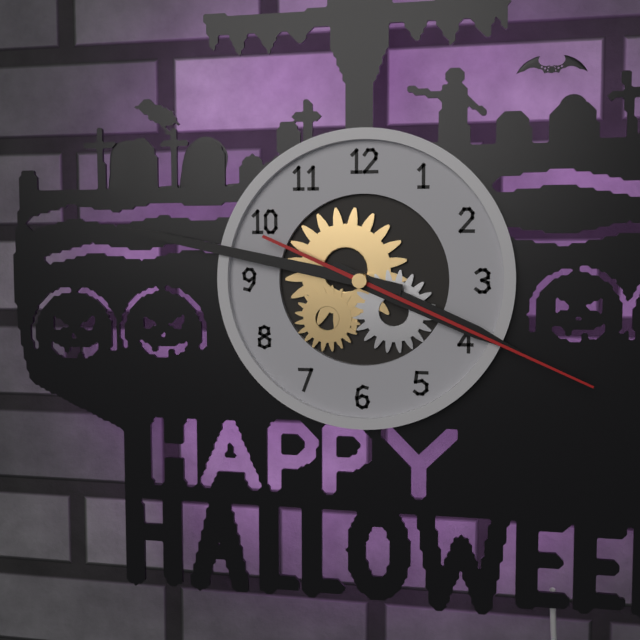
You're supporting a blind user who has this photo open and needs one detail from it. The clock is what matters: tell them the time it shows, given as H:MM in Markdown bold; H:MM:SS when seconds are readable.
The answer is **3:47:19**
